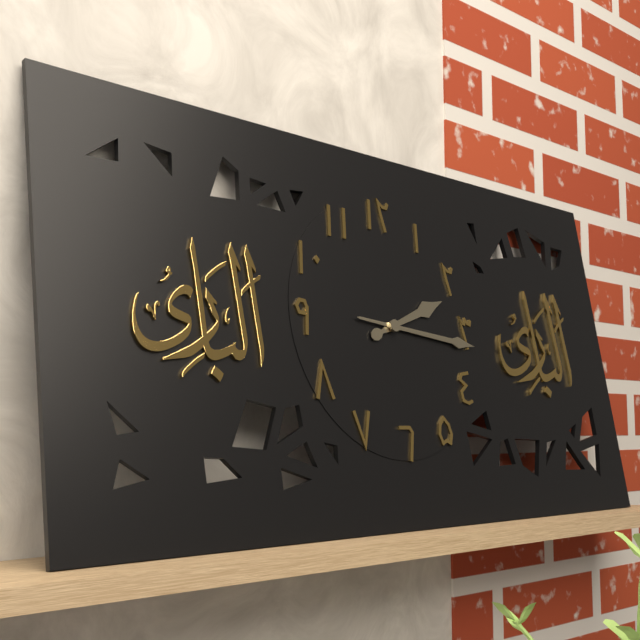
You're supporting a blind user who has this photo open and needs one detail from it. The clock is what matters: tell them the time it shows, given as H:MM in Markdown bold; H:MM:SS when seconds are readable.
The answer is **2:16**
